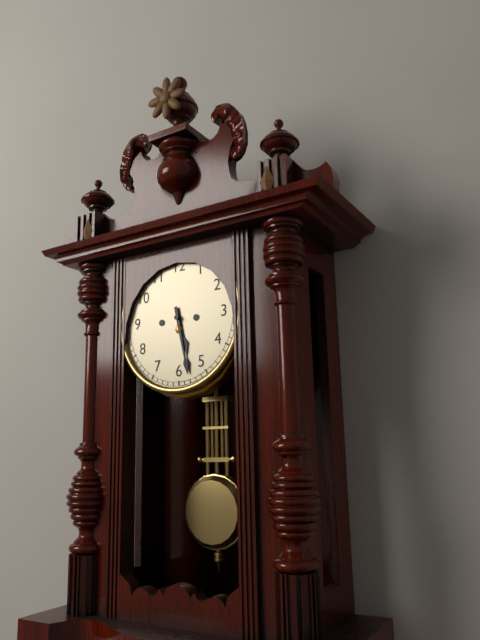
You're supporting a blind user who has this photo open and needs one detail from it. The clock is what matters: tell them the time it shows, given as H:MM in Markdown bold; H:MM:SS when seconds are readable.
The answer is **5:28**
